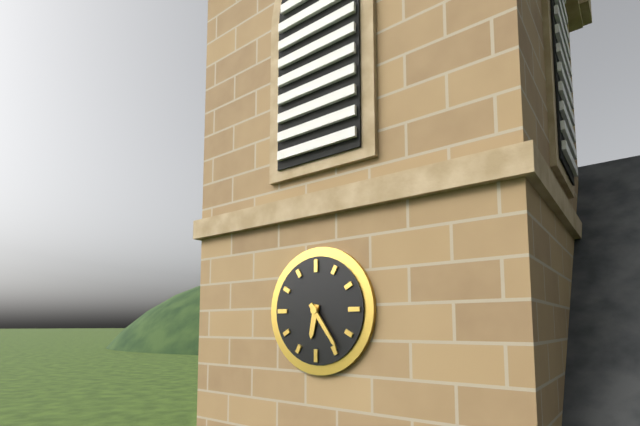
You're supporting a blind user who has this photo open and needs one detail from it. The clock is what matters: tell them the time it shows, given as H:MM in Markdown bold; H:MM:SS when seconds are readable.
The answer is **6:24**
